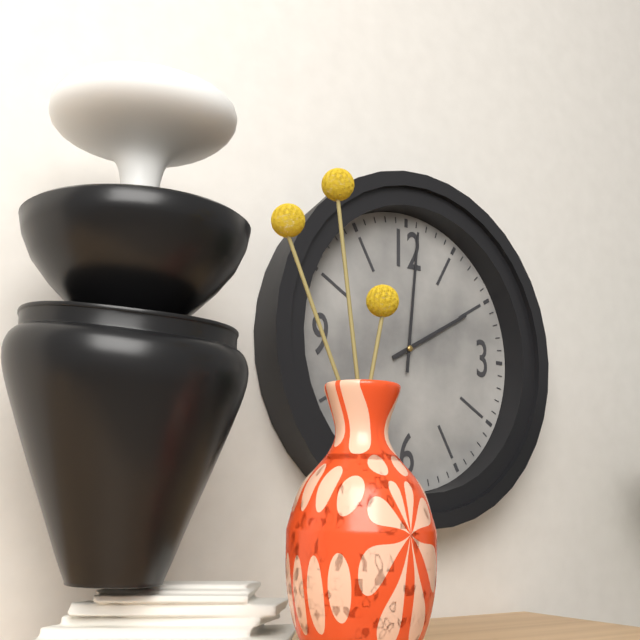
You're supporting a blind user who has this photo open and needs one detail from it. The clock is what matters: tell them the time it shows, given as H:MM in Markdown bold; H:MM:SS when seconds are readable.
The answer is **2:01**
